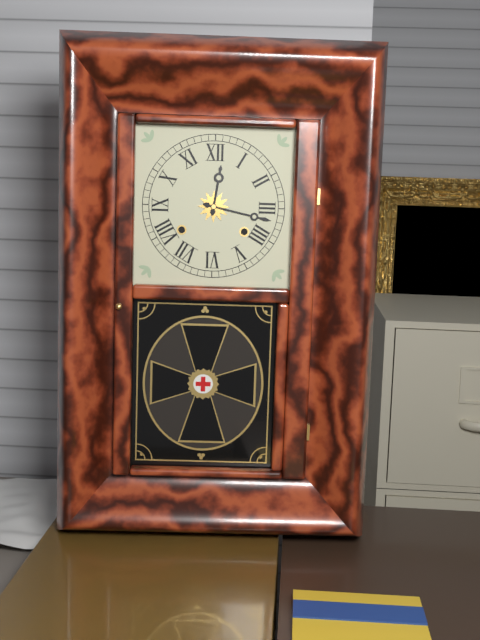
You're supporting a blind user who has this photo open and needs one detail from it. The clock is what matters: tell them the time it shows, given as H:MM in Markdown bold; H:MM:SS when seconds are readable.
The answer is **12:17**
